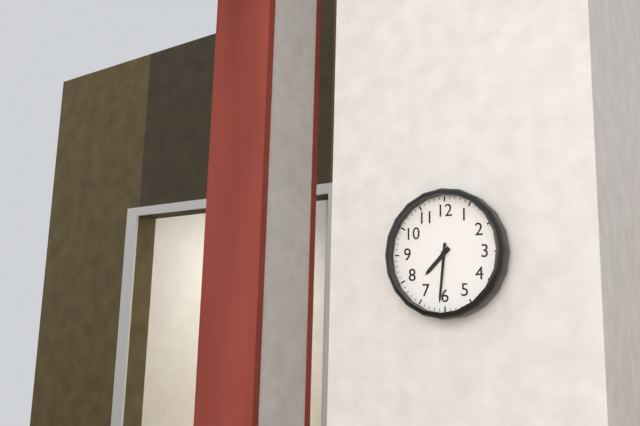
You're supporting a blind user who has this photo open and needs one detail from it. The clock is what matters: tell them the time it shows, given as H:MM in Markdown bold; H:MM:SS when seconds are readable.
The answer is **7:31**
